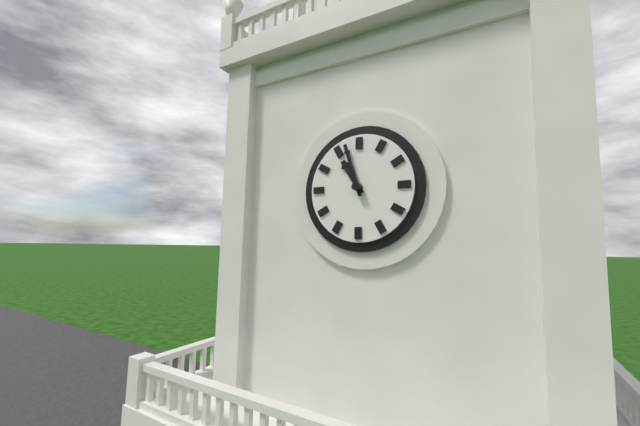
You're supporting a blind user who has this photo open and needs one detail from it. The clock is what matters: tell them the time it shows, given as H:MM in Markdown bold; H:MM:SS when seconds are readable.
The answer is **10:57**
